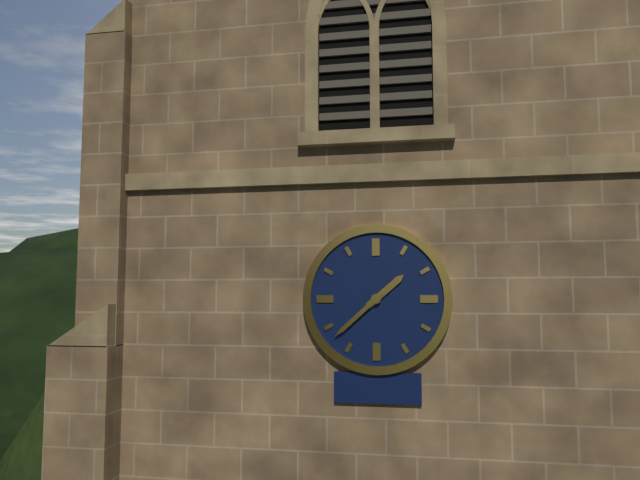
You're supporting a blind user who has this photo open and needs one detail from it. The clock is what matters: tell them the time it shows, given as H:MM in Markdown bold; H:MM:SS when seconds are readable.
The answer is **1:38**
